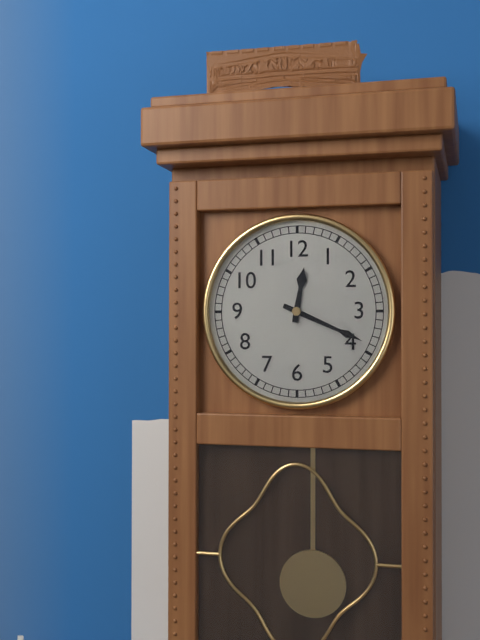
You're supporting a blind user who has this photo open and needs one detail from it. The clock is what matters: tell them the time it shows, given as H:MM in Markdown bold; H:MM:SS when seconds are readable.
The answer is **12:19**
